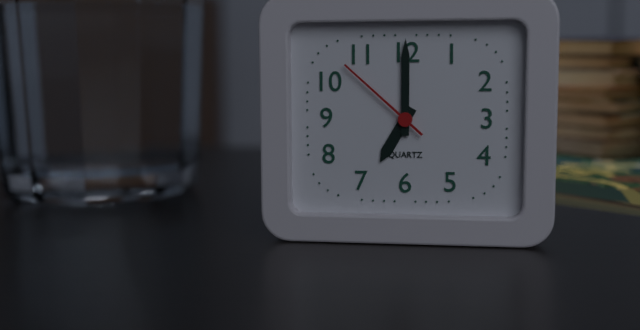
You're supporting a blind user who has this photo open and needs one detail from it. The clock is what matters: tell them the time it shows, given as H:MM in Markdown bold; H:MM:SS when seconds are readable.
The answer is **7:00:52**
